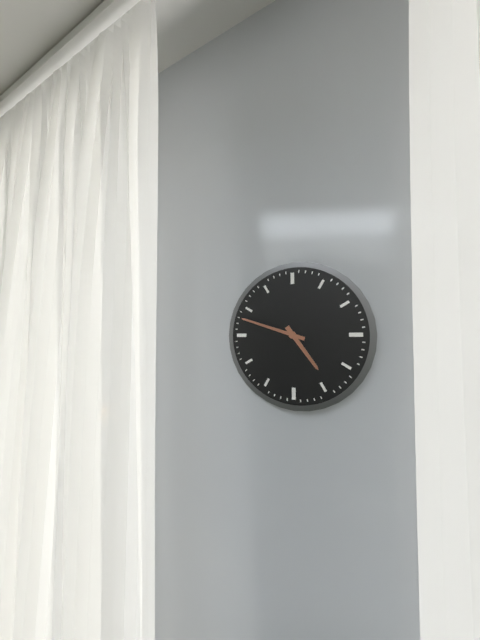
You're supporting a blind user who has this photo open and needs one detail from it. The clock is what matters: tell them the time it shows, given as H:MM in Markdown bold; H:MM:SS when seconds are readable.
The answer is **4:48**
